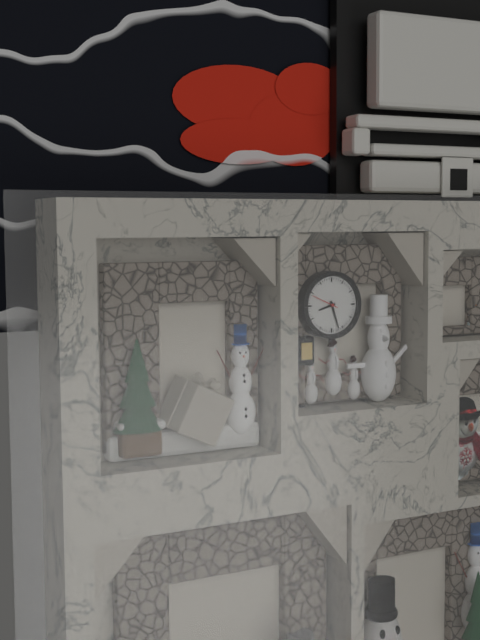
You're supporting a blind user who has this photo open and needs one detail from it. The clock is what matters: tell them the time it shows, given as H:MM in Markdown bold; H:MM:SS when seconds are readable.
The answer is **8:27**
